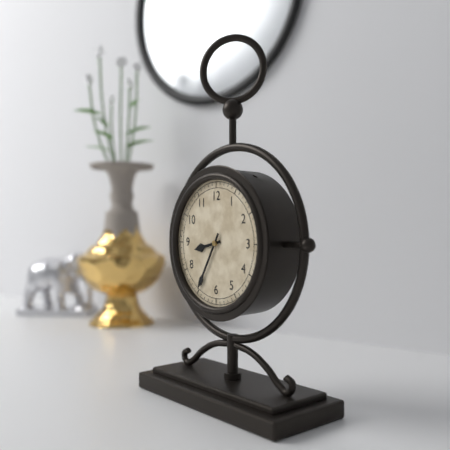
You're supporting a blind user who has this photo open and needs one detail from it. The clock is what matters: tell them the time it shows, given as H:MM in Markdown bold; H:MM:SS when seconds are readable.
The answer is **8:35**
